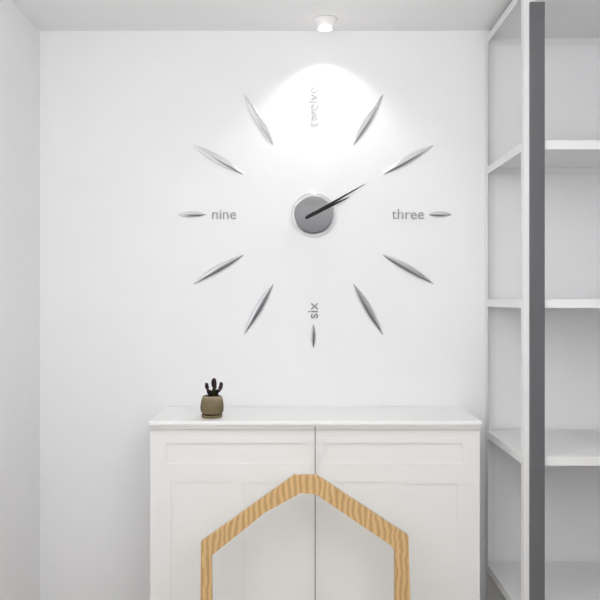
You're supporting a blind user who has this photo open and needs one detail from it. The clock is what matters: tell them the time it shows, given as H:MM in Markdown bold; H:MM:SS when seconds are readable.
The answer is **2:10**
